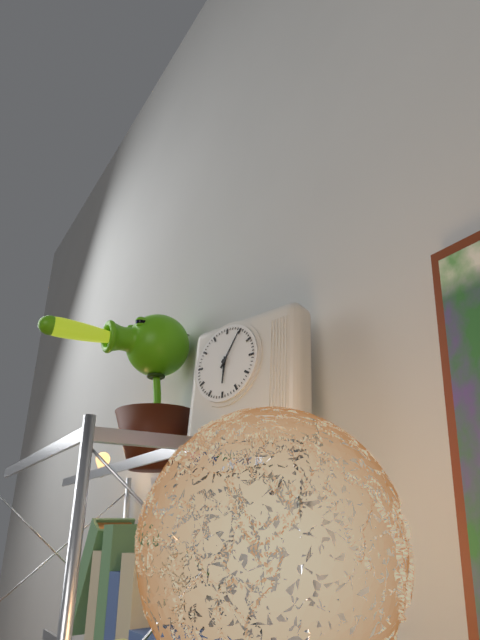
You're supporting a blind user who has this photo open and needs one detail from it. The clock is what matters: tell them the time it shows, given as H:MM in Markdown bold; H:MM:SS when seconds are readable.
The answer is **6:05**
